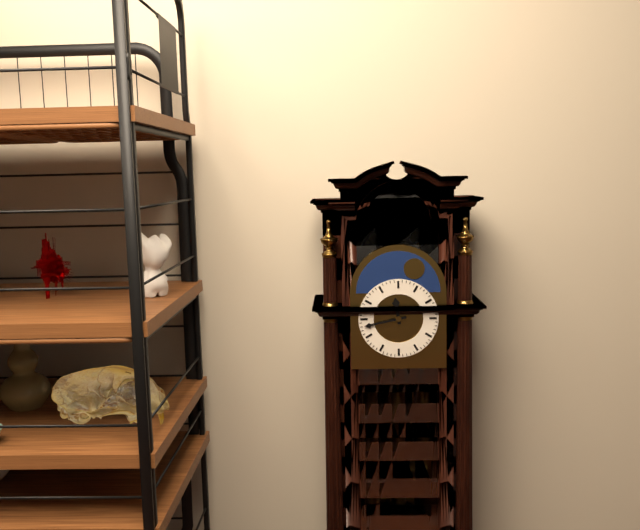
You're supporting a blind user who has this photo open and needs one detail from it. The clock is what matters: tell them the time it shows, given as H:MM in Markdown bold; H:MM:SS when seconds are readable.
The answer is **11:43**
